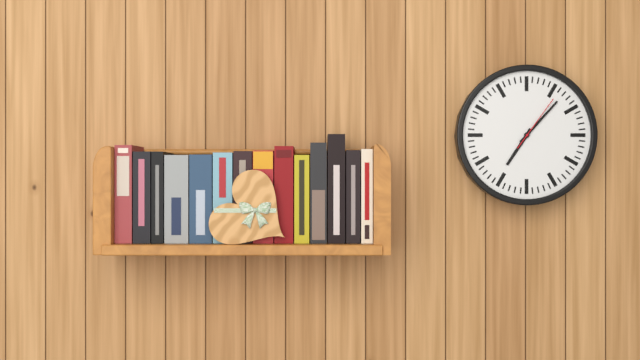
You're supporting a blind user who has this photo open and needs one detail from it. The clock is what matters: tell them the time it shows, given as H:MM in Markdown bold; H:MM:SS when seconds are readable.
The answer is **7:07:06**
